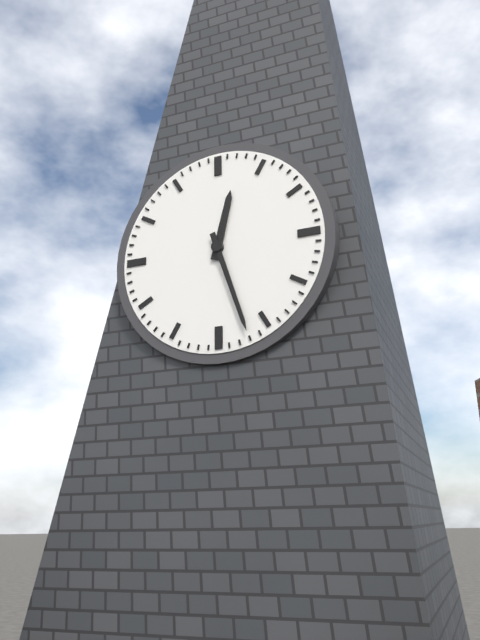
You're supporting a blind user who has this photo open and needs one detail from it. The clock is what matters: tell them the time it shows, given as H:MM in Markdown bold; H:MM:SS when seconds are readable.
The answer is **12:27**
